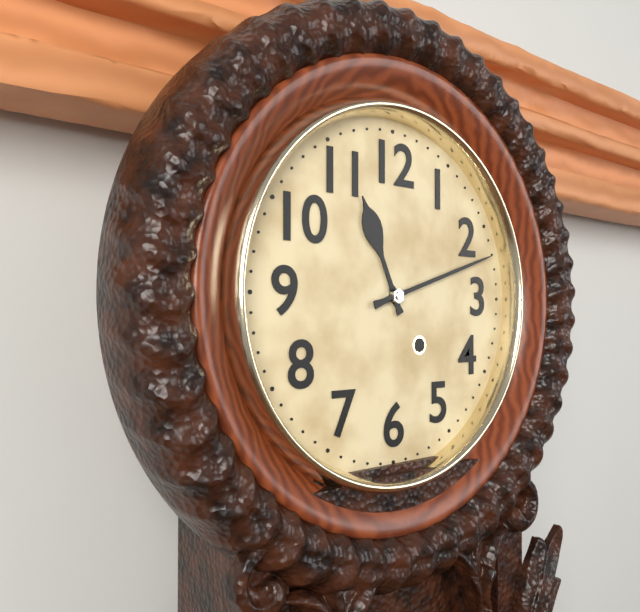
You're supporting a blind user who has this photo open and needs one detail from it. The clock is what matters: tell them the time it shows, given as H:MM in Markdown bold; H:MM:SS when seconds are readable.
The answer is **11:12**
